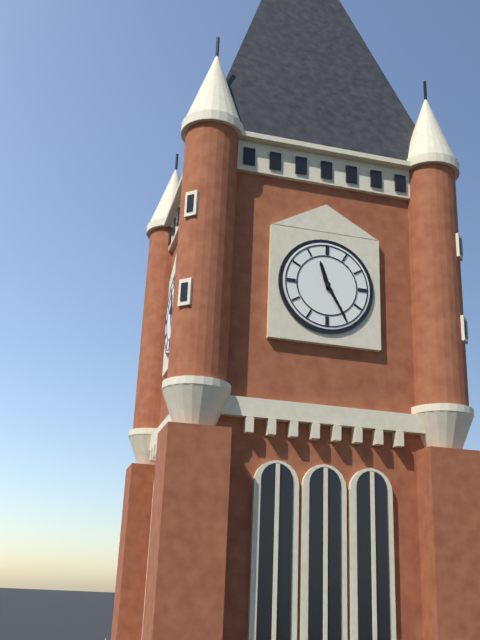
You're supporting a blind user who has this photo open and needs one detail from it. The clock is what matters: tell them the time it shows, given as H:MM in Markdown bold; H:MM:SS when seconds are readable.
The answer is **11:25**
